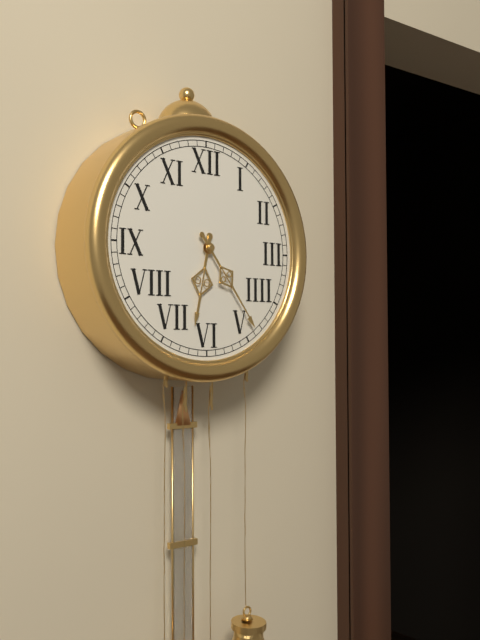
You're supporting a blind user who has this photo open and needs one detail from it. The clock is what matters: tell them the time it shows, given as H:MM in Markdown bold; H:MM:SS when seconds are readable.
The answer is **6:24**
